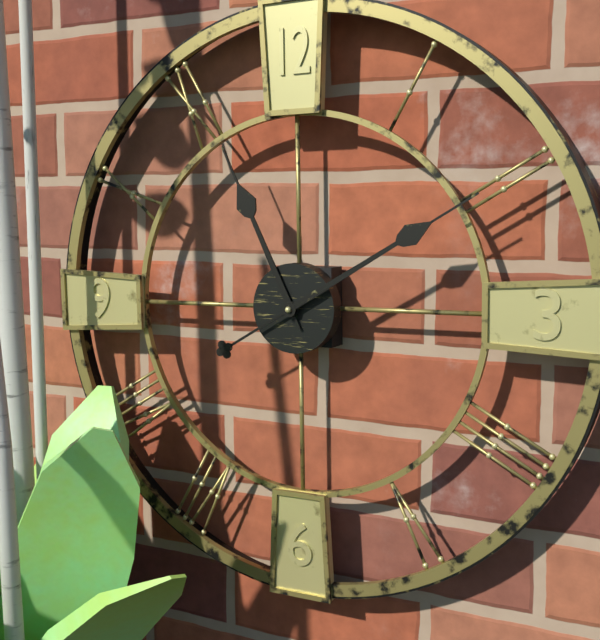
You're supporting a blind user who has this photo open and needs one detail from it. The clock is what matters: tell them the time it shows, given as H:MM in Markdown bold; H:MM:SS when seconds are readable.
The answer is **11:10**
